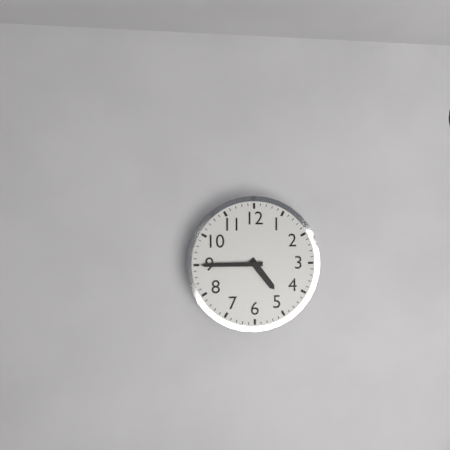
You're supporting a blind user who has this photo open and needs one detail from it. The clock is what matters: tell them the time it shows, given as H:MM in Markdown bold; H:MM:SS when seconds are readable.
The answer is **4:45**
